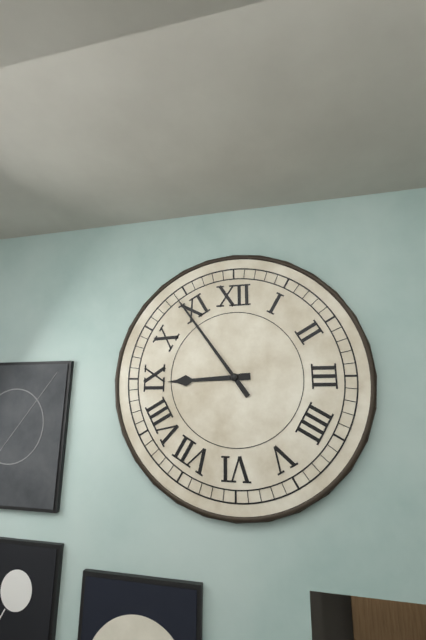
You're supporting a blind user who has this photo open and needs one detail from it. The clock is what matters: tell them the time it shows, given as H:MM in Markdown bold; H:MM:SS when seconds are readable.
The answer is **8:54**
